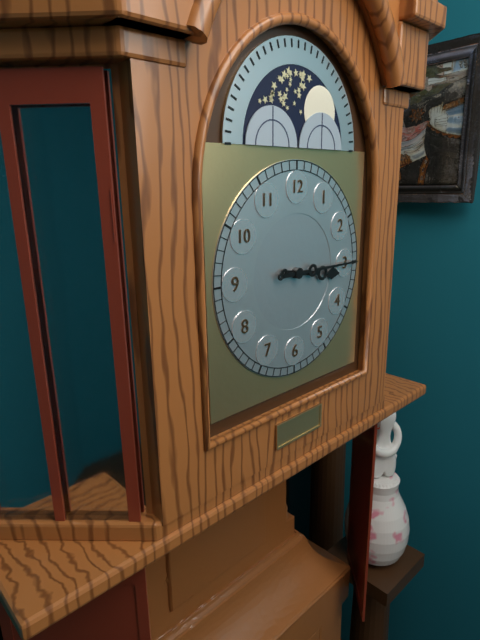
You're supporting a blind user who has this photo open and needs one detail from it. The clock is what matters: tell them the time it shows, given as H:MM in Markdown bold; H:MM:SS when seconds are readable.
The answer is **3:15**
